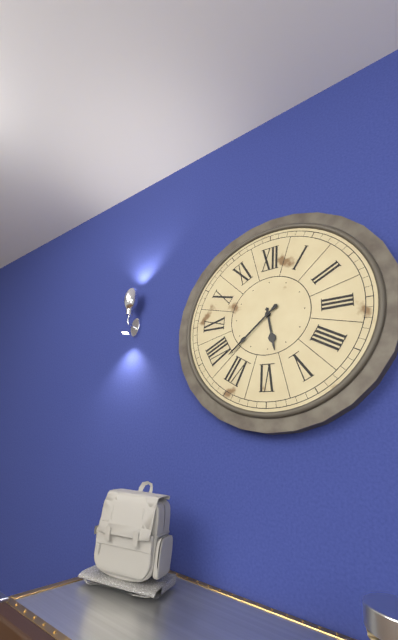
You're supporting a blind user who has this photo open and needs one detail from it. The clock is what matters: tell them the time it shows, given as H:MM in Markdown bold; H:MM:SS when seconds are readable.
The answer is **5:38**
